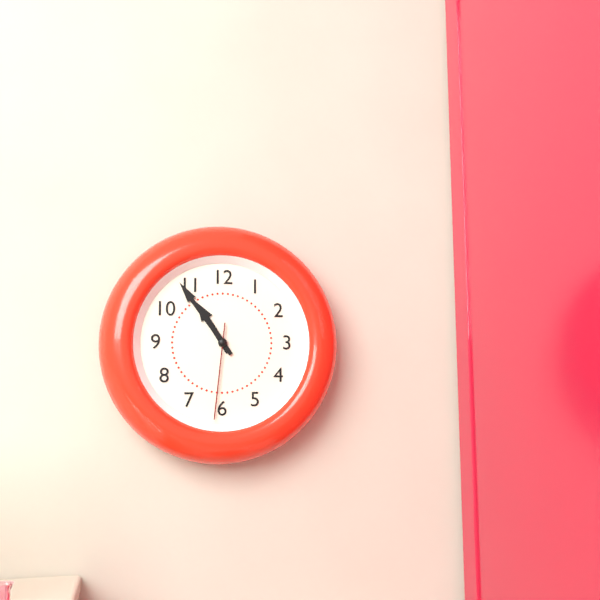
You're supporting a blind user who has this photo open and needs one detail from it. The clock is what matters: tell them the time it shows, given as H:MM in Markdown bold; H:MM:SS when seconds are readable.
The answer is **10:54:31**
